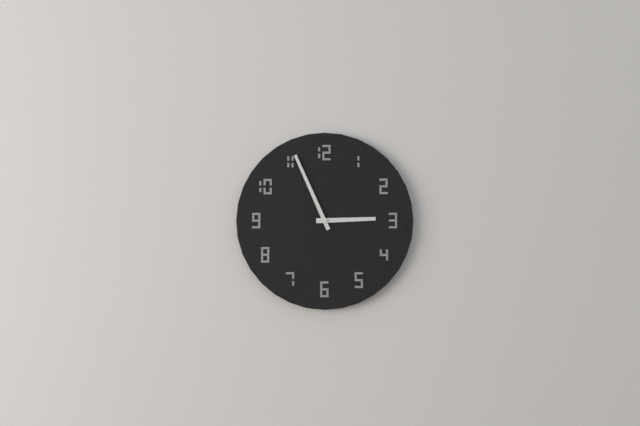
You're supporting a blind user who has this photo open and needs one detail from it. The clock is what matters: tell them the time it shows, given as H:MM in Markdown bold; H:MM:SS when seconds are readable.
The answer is **2:56**
